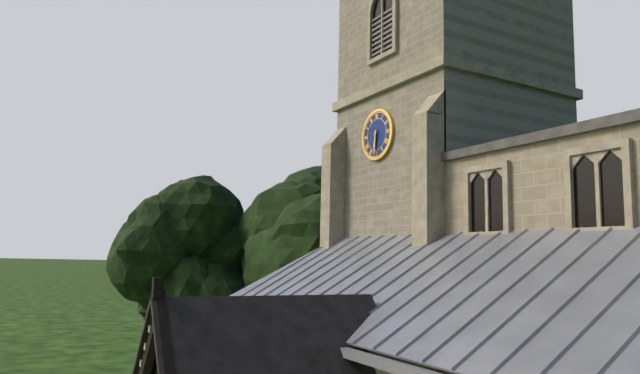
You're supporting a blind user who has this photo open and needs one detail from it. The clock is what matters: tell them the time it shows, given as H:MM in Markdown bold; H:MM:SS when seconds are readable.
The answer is **6:31**
